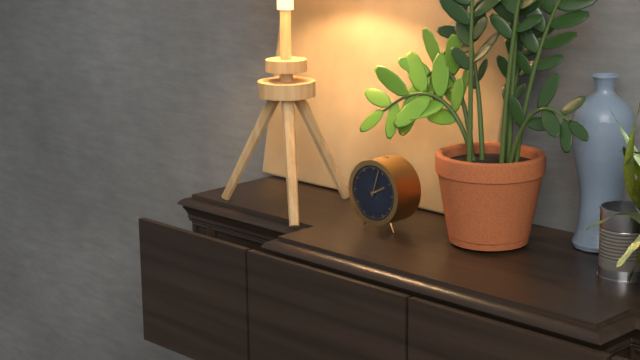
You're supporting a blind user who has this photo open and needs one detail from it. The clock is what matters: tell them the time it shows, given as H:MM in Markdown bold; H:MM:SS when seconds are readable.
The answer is **2:03**
